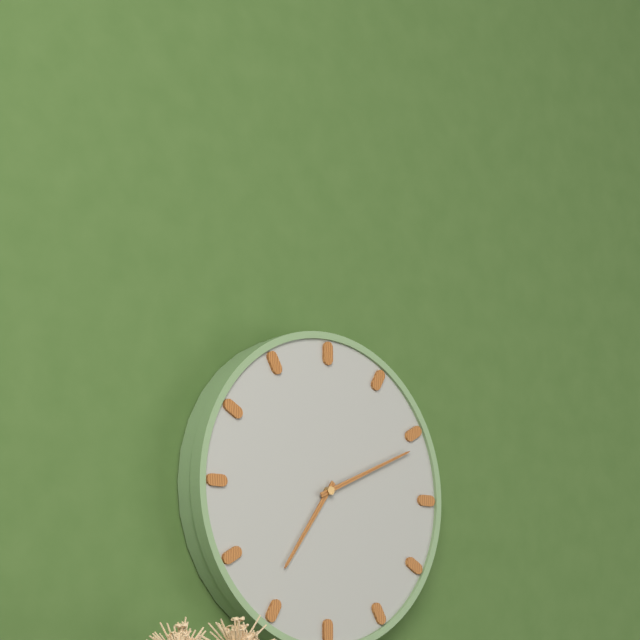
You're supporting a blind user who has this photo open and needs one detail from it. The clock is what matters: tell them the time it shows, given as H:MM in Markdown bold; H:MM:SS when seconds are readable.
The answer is **7:11**
